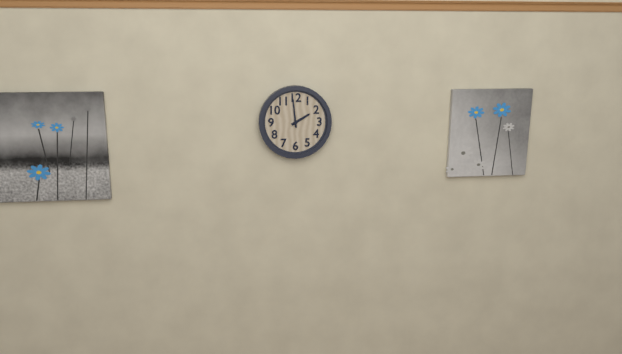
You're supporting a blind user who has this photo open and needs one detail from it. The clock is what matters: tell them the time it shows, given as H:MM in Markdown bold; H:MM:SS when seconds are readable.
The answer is **1:59**
